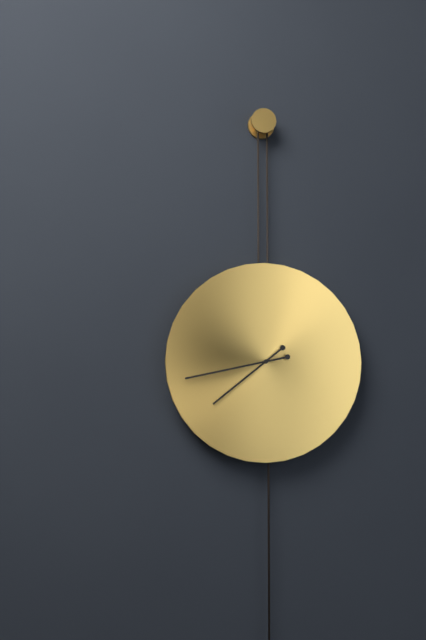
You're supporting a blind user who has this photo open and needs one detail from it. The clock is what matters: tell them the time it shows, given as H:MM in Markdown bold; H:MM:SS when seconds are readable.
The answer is **7:43**
